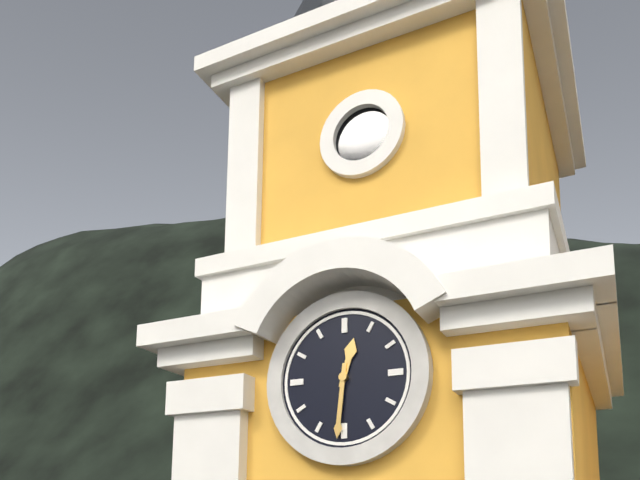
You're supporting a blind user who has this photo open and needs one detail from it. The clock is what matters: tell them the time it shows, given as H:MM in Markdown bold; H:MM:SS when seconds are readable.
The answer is **12:31**
